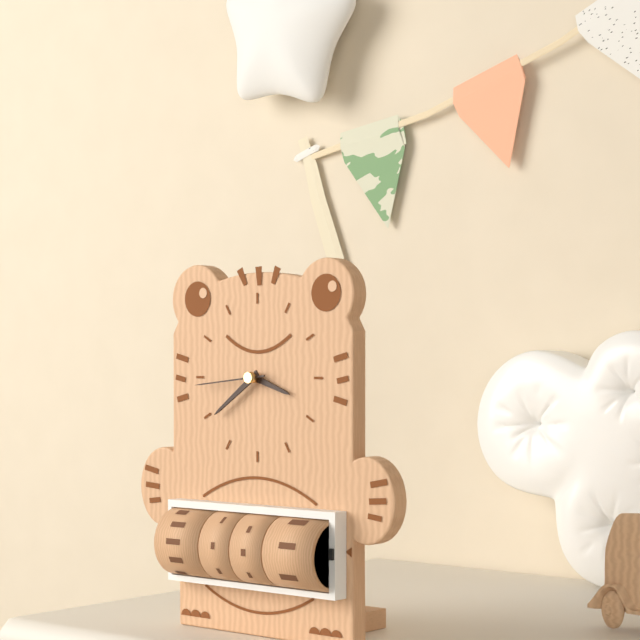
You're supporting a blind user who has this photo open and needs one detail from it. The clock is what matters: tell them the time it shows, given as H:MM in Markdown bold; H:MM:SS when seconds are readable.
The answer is **3:39:44**
